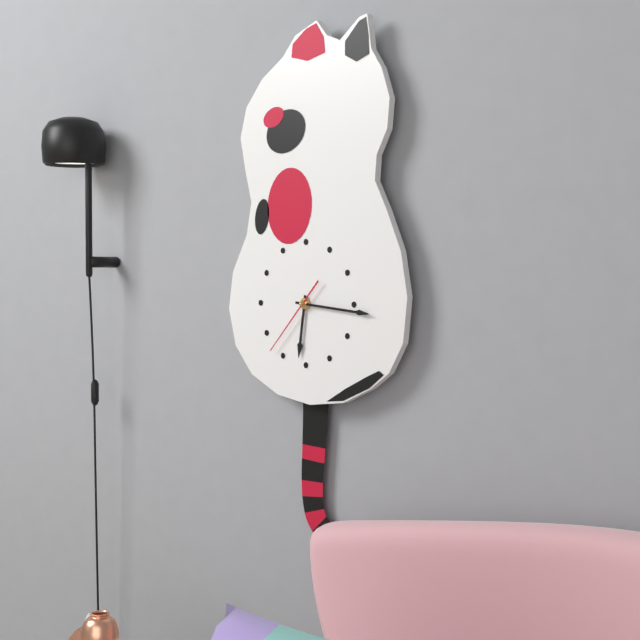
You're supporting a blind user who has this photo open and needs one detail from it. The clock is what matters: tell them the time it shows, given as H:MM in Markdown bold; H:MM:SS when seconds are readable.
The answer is **6:16:37**
